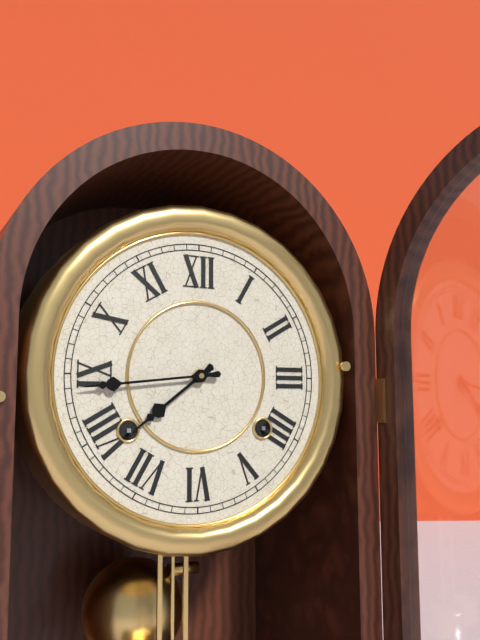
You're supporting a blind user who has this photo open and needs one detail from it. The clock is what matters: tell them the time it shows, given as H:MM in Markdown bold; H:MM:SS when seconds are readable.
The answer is **7:44**
